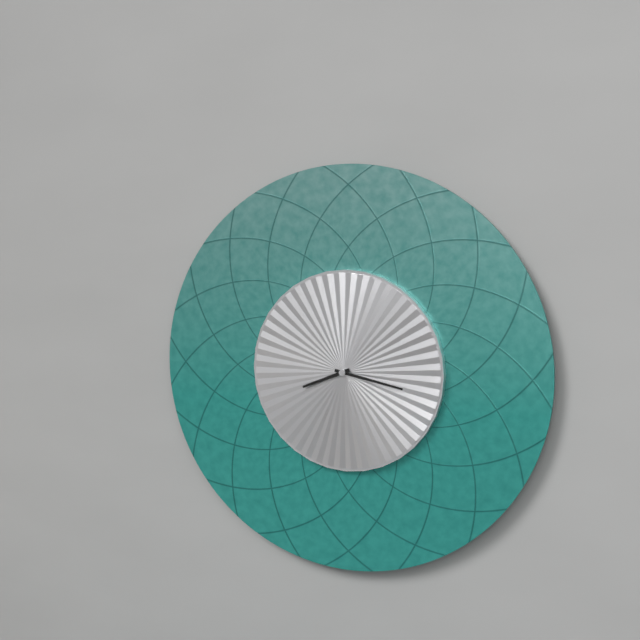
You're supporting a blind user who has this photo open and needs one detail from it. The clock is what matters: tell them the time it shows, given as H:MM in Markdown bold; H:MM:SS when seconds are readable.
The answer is **8:17**
